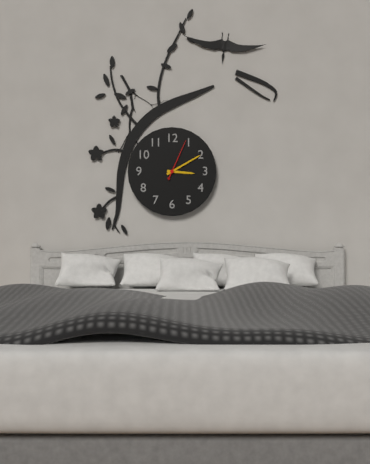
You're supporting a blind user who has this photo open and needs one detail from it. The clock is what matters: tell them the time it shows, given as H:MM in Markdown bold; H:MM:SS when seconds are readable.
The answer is **3:10**
